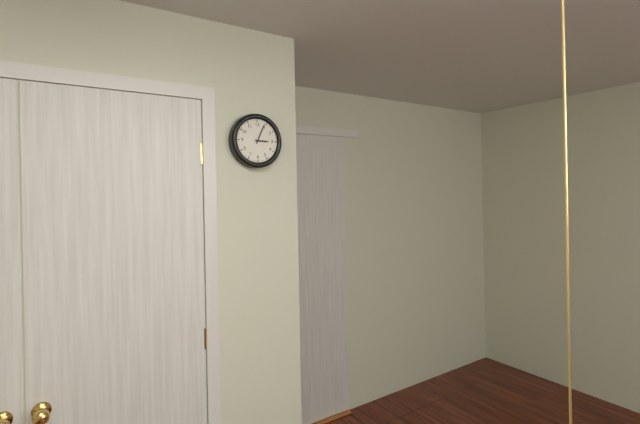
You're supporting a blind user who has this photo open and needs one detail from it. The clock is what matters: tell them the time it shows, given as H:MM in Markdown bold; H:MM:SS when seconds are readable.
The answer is **3:04**
